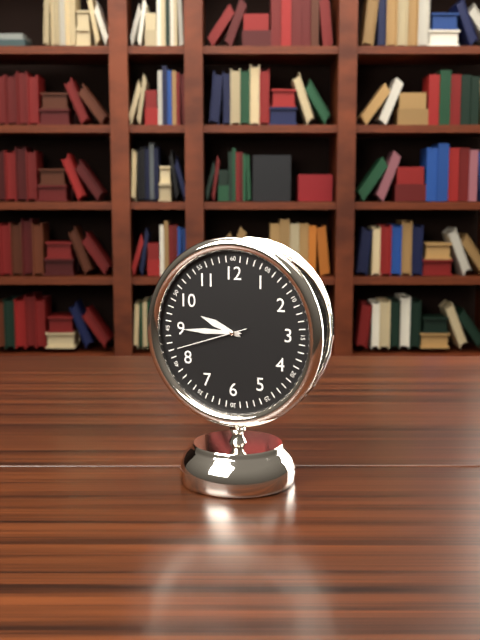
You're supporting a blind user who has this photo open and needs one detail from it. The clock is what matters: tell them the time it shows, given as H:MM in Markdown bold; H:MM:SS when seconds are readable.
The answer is **9:45:42**
